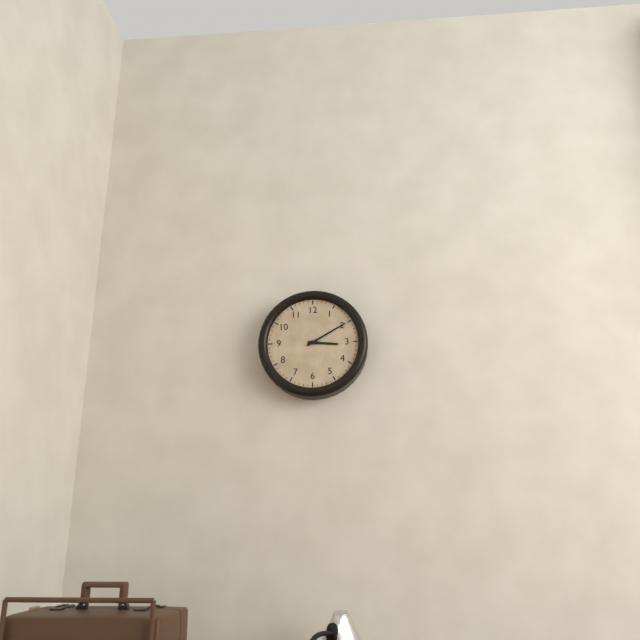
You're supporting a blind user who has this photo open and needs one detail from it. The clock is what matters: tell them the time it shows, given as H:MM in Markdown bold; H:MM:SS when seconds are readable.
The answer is **3:10**
